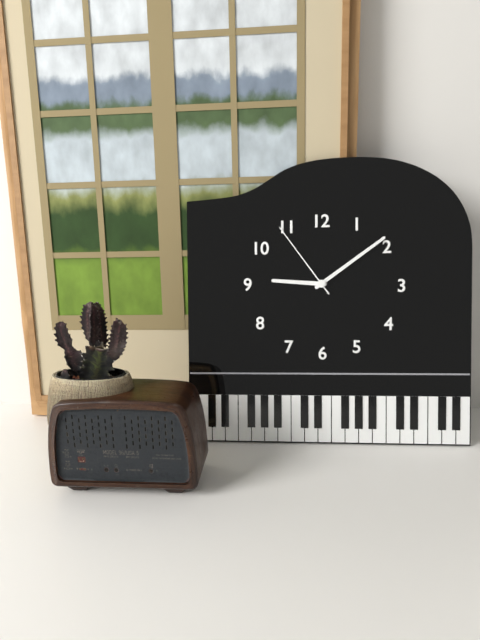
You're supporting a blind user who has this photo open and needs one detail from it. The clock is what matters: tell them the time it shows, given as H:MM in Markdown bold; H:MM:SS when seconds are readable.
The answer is **9:09:54**
